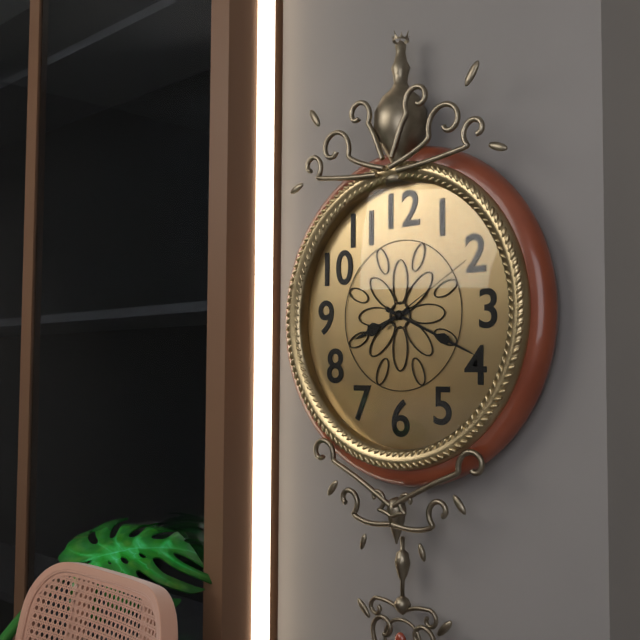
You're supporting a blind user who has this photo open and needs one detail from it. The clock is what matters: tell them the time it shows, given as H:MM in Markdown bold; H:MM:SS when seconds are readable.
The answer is **8:19:10**
